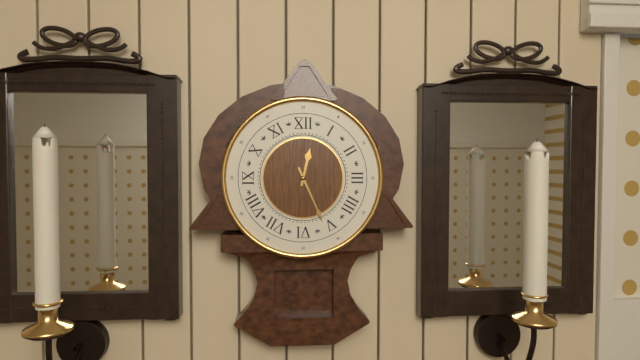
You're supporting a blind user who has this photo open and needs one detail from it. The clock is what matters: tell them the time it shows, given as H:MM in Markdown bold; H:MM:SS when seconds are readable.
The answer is **12:26**
